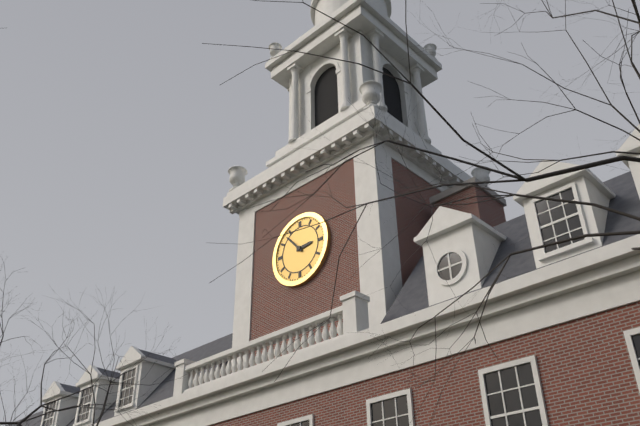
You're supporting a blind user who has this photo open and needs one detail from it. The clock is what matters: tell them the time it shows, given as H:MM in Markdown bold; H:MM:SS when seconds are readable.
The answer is **2:53**
